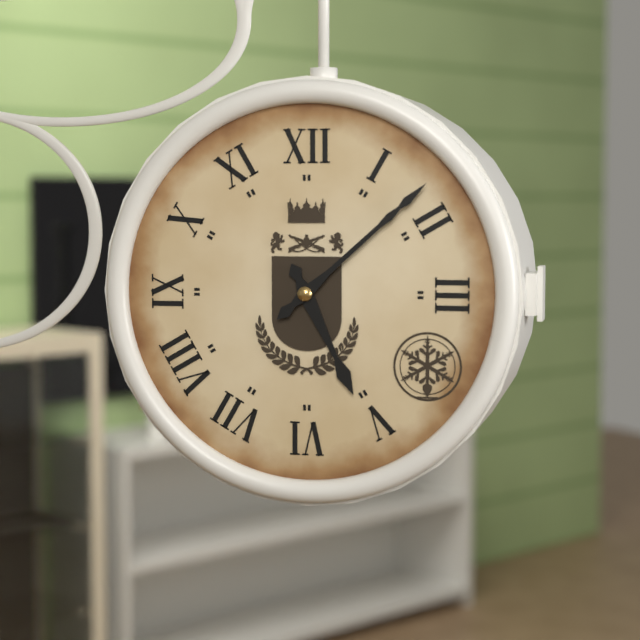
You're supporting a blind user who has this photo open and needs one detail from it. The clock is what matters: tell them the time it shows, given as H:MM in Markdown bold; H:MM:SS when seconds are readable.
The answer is **5:08**
